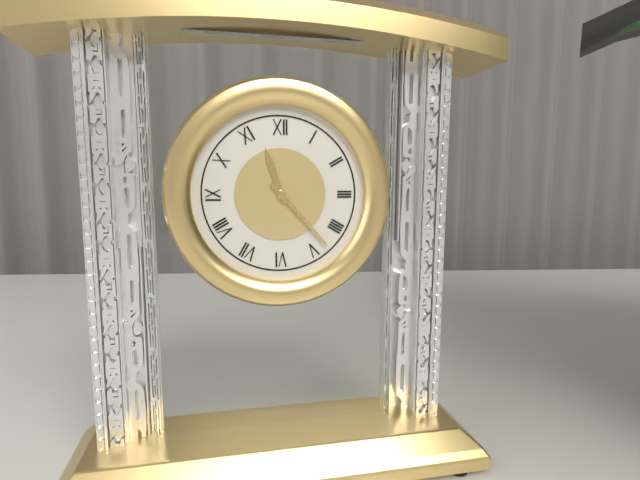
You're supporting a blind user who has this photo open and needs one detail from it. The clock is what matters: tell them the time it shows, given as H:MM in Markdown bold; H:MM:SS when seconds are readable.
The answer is **11:23**
